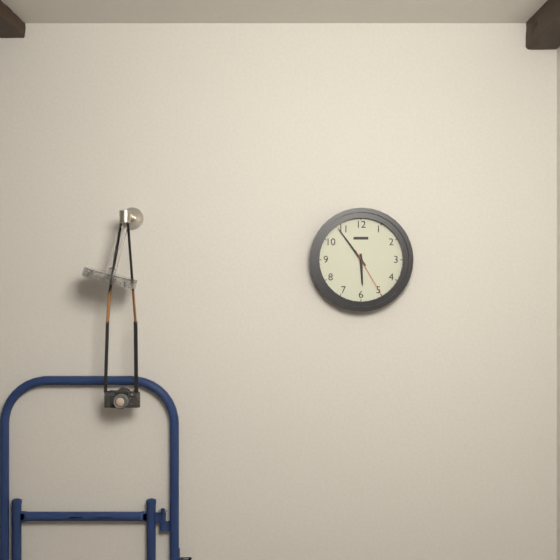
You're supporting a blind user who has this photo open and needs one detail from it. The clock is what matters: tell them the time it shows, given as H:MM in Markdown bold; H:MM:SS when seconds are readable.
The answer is **5:54:25**
